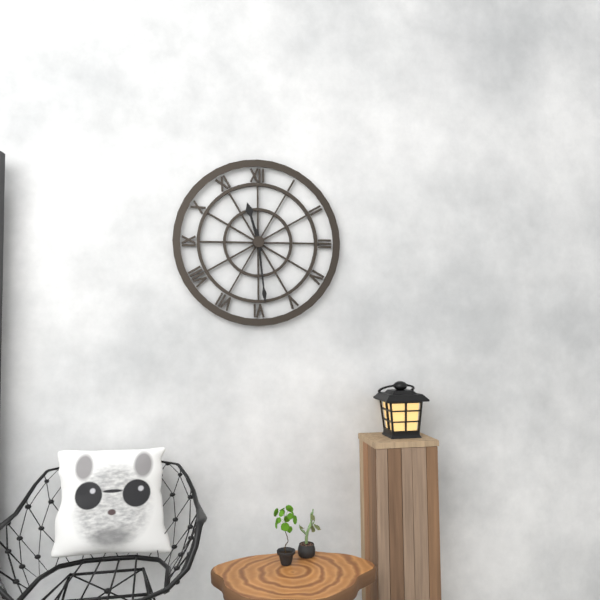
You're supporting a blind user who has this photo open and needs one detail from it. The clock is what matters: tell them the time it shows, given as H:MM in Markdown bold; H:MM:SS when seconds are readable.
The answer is **11:29**
